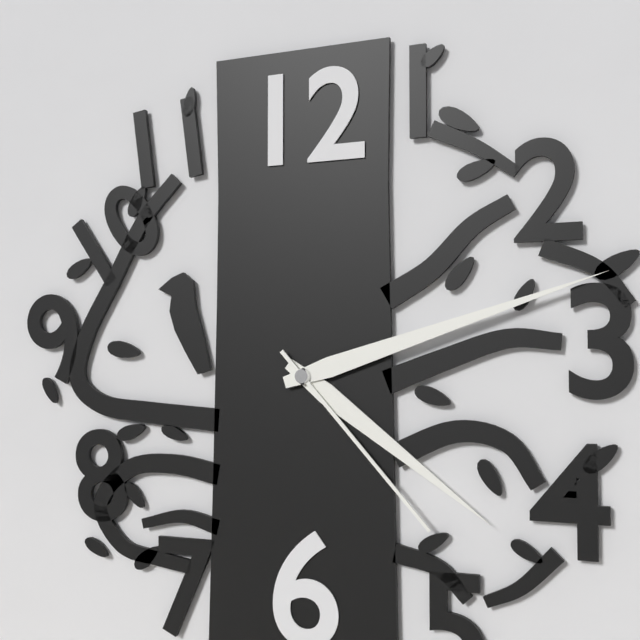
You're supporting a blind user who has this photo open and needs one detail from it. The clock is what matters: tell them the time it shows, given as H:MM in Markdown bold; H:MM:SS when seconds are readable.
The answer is **4:12:23**
